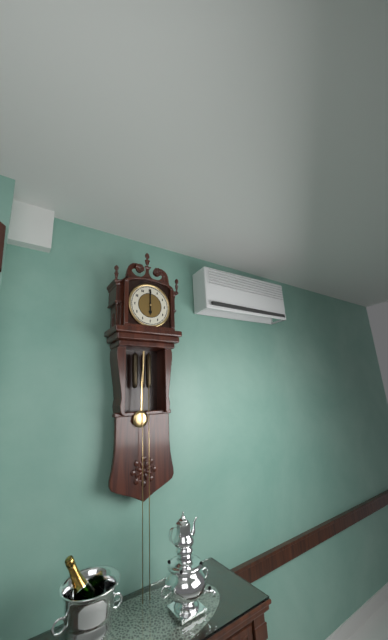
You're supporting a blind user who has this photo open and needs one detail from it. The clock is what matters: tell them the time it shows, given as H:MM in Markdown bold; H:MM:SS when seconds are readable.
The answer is **6:00**
